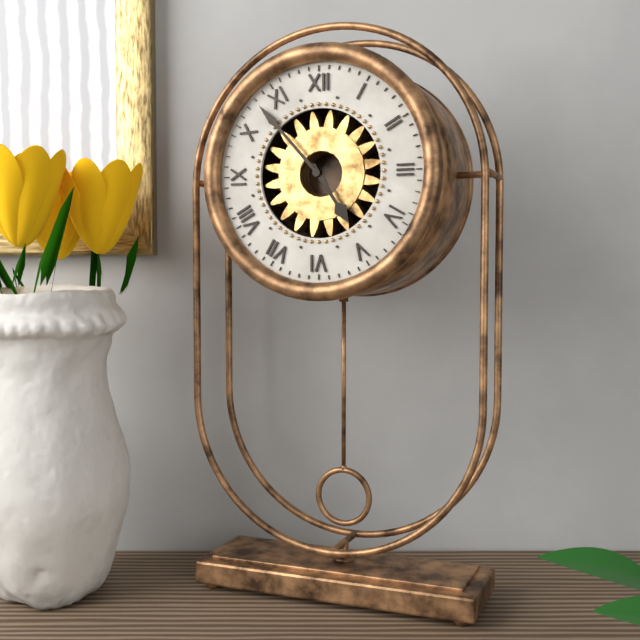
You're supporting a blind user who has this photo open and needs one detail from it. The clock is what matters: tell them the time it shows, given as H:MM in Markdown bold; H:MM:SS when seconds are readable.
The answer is **4:53**
